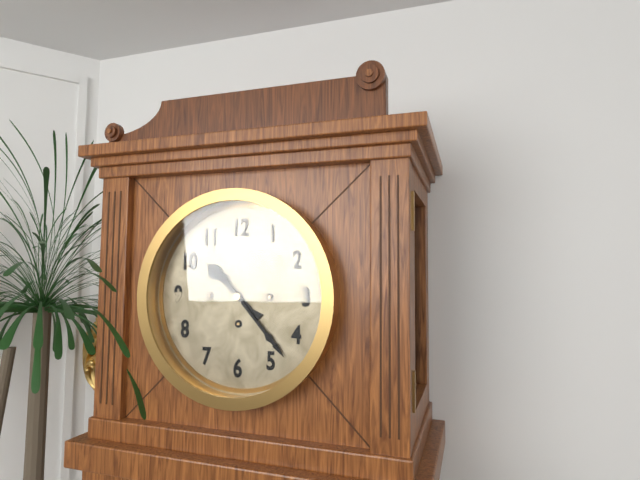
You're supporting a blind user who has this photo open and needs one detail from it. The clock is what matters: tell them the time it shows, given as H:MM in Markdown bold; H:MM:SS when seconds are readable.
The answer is **10:23**
